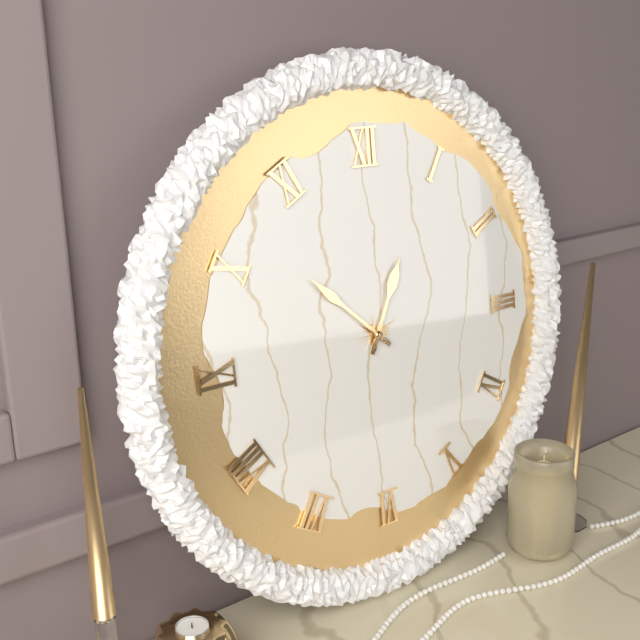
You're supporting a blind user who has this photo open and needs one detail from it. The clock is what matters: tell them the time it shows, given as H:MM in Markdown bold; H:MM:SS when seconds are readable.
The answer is **12:52**
